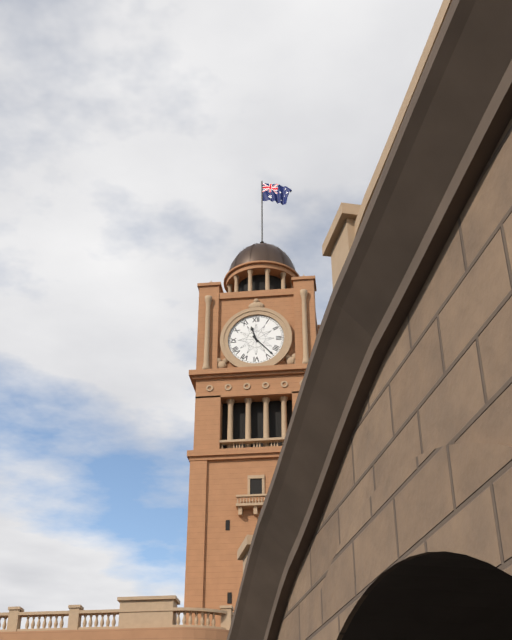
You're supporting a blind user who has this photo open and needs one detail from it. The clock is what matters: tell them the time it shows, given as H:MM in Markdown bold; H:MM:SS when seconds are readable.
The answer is **11:23**
